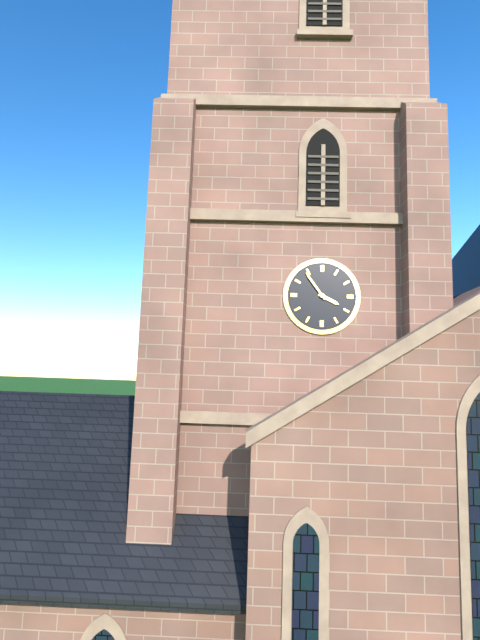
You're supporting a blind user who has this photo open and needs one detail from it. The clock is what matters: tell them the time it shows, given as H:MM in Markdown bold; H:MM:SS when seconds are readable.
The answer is **3:54**
